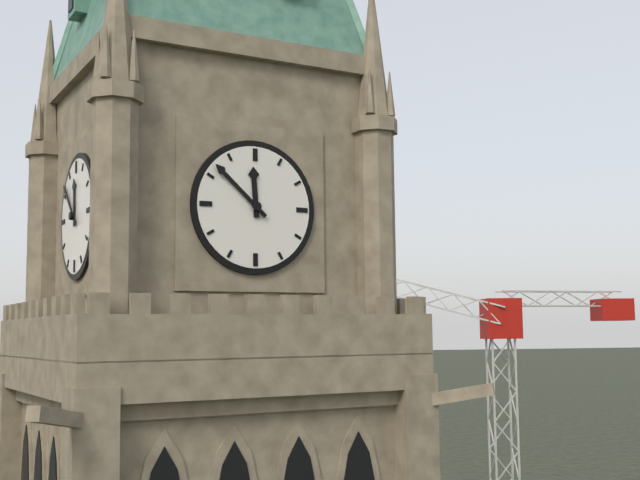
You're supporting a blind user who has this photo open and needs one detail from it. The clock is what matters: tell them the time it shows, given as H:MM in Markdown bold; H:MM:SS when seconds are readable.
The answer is **11:52**
